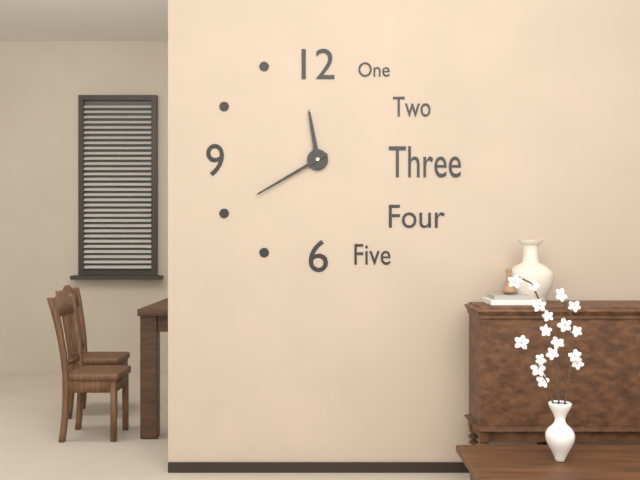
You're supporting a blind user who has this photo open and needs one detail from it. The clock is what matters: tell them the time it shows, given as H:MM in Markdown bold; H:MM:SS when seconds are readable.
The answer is **11:40**
